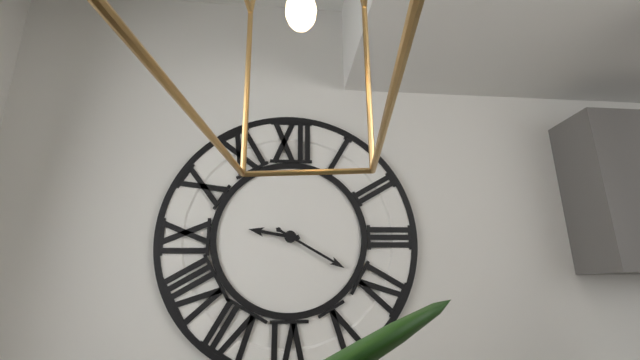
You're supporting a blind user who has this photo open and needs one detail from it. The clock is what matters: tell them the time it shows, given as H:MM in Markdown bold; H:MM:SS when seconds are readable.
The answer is **9:20**
